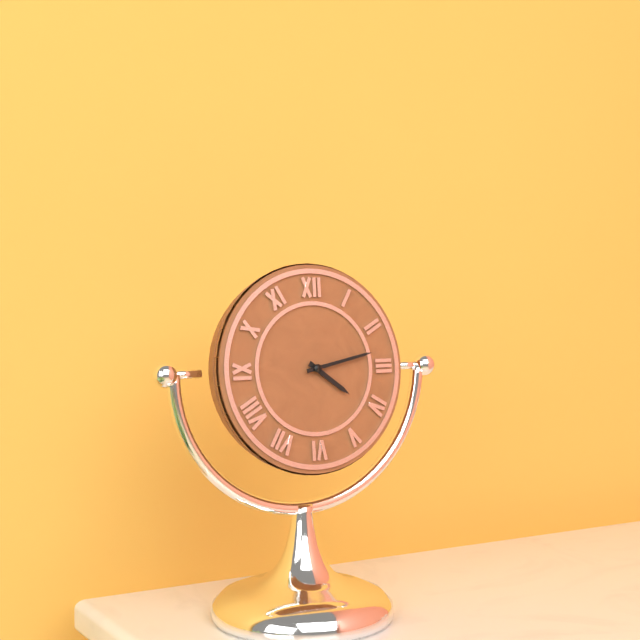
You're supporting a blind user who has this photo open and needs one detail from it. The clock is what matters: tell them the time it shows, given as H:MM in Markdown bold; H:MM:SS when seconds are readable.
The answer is **4:13**
